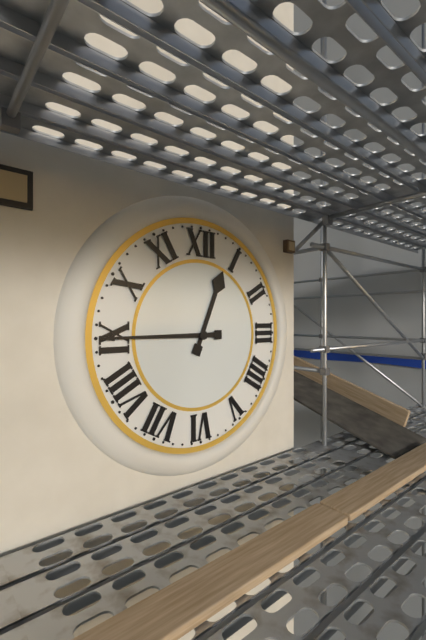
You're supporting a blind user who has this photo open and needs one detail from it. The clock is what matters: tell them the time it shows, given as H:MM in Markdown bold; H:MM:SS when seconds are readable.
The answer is **12:45**
